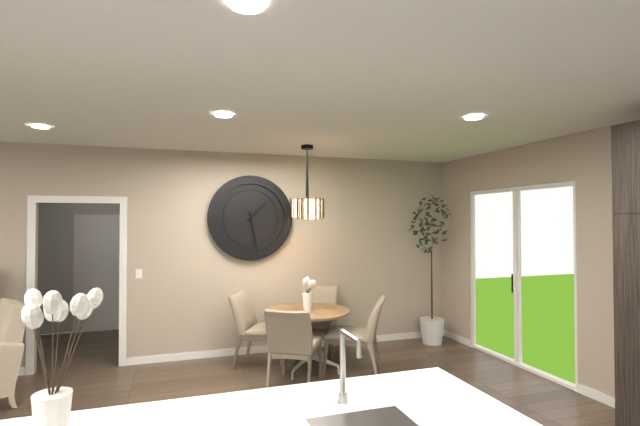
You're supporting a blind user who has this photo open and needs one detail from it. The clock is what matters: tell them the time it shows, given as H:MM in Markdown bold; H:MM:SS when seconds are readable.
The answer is **1:28**
